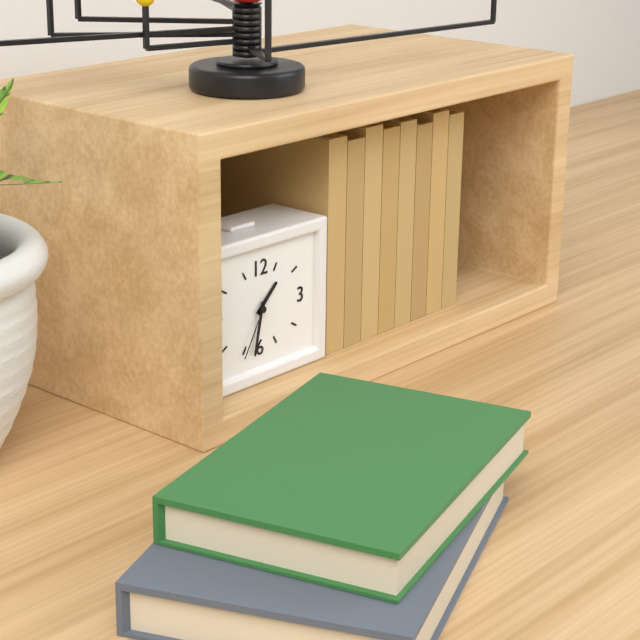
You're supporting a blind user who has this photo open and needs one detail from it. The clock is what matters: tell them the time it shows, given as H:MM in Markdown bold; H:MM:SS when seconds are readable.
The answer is **1:32:35**
